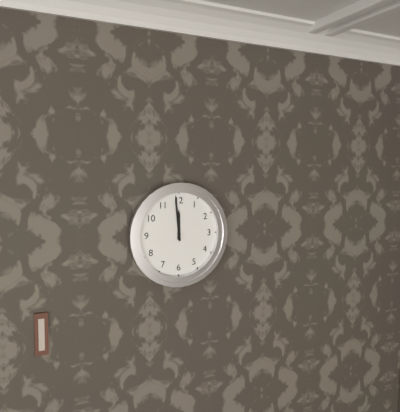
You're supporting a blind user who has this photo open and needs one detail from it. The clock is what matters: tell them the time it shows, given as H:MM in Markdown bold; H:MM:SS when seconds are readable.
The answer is **11:59**
